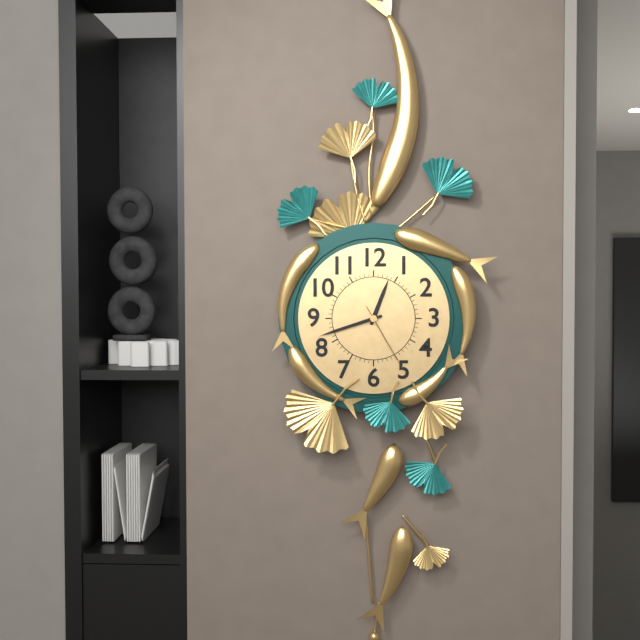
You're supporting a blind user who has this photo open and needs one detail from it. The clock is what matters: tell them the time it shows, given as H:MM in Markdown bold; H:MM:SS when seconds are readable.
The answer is **12:42:25**
